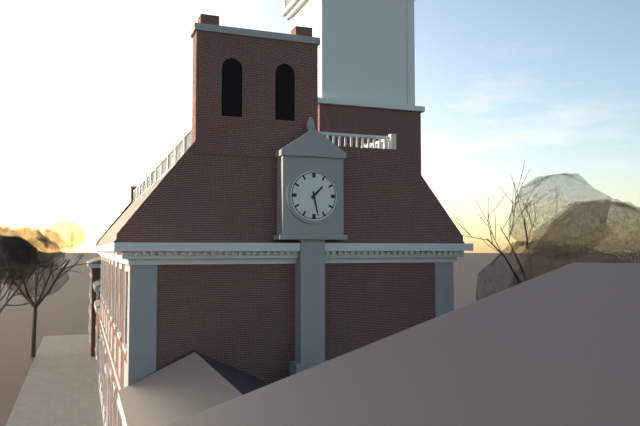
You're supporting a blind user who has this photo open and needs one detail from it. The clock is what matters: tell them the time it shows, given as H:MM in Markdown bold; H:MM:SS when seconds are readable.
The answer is **1:28**
